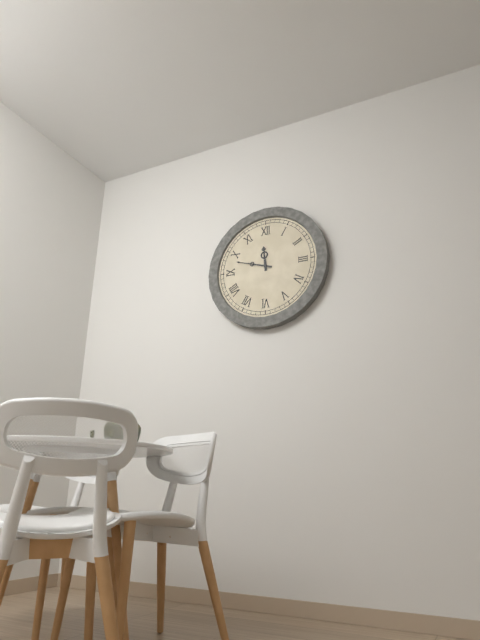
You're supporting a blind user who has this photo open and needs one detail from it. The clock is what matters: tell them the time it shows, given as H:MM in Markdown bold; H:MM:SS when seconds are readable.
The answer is **11:48**
